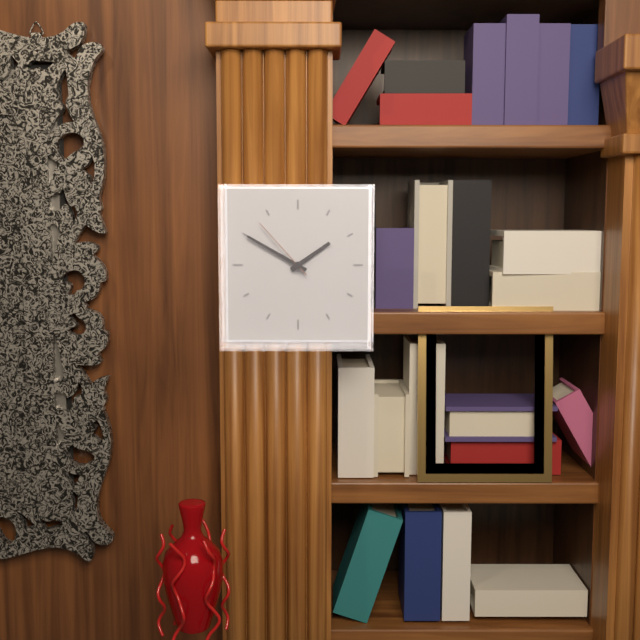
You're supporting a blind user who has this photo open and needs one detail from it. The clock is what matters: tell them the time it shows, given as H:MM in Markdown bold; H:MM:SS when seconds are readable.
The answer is **1:50:53**
